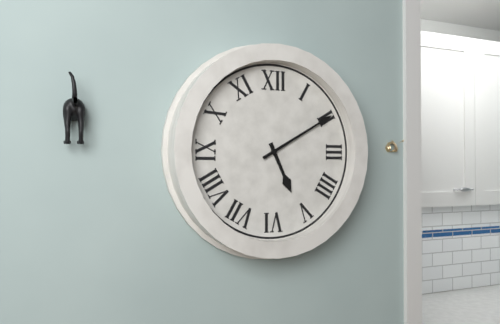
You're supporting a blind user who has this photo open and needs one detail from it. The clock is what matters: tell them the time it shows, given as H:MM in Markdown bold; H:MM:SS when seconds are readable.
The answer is **5:10**
